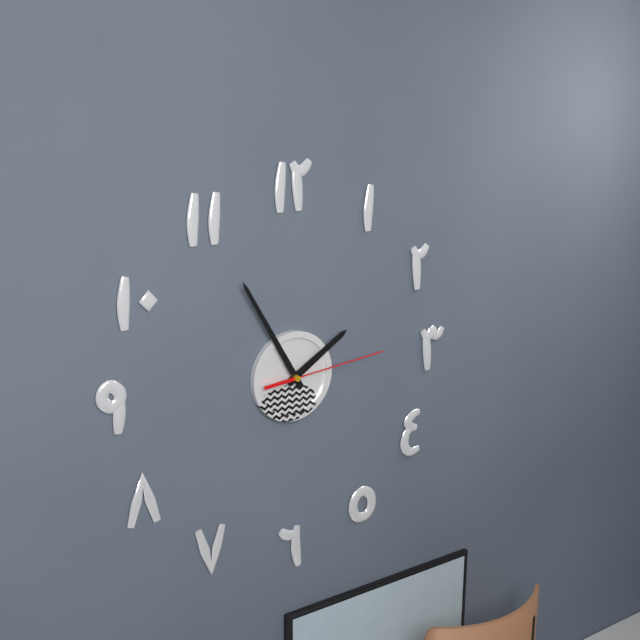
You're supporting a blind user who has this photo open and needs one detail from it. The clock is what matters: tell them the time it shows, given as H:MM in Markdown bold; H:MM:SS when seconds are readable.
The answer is **1:55:14**
